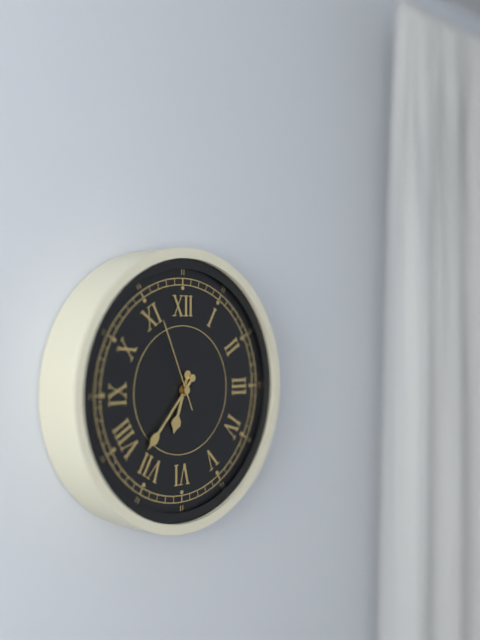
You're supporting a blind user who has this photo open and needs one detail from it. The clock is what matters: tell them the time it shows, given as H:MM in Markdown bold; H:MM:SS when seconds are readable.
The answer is **6:37:56**
